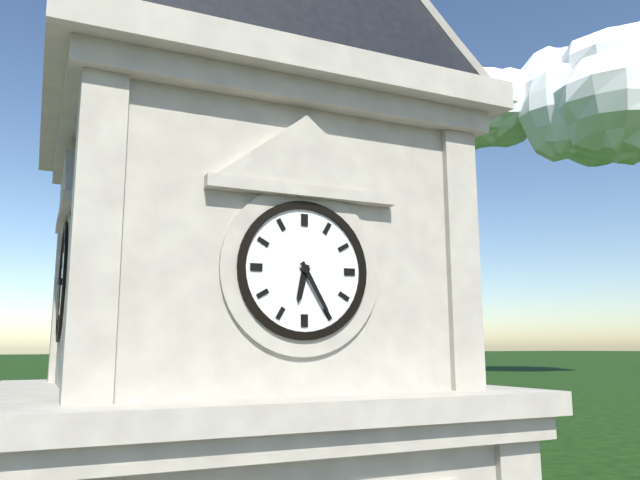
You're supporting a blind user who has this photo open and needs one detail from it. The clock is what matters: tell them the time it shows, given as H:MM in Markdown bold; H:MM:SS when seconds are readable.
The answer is **6:25**
